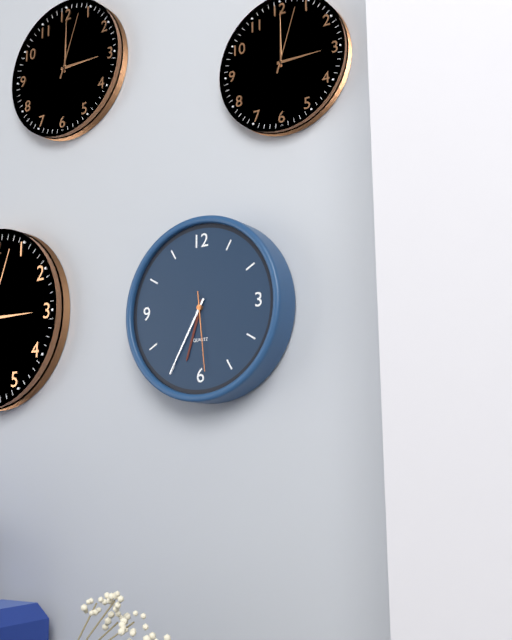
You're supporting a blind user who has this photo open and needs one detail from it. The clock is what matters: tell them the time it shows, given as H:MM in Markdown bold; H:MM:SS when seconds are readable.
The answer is **6:35:29**
